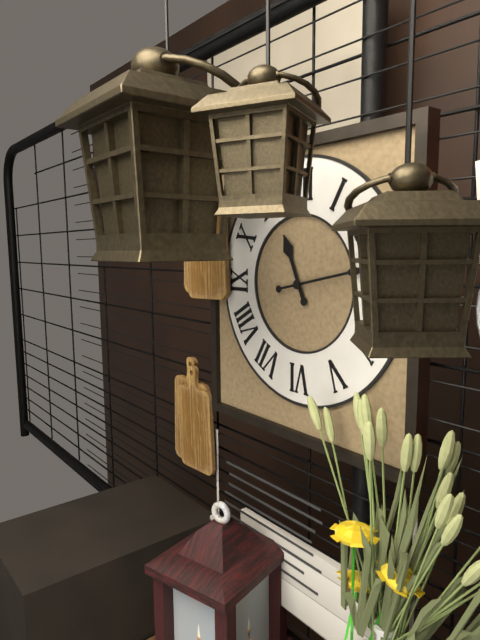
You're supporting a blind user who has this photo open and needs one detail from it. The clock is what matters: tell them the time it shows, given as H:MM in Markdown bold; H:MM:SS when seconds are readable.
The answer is **11:13**
